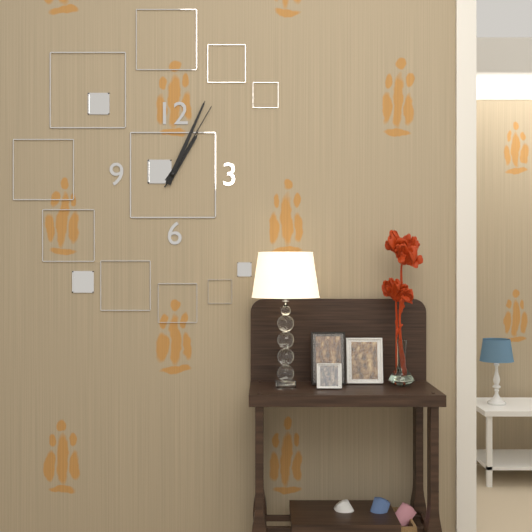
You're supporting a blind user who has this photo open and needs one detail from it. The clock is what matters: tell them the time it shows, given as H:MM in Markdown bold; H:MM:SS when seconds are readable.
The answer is **1:04:05**
